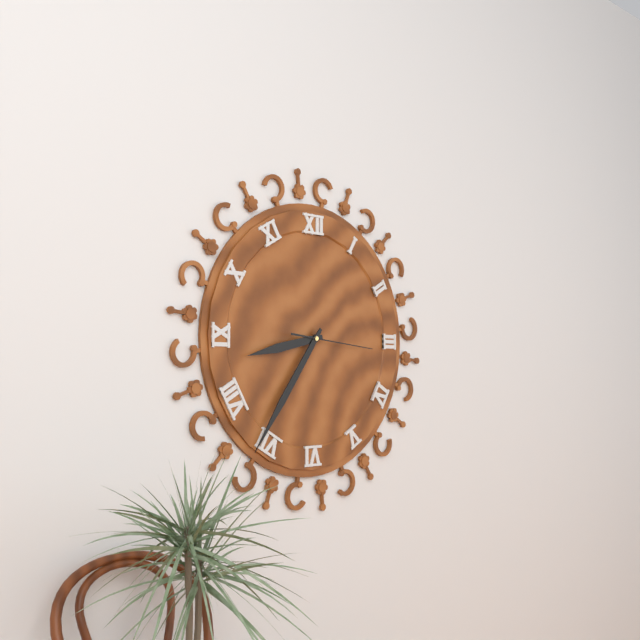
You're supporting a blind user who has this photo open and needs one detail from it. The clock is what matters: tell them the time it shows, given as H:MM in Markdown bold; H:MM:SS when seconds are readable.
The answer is **8:36:16**
